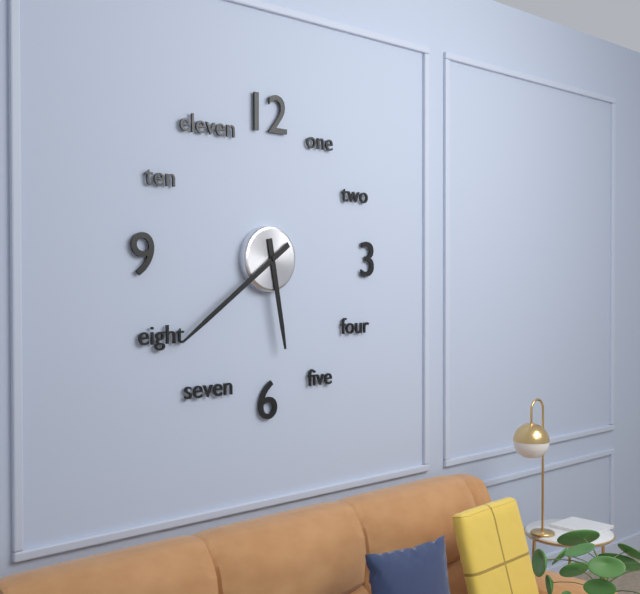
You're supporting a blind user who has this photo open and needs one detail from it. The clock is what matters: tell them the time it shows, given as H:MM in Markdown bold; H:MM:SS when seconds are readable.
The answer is **5:39**
